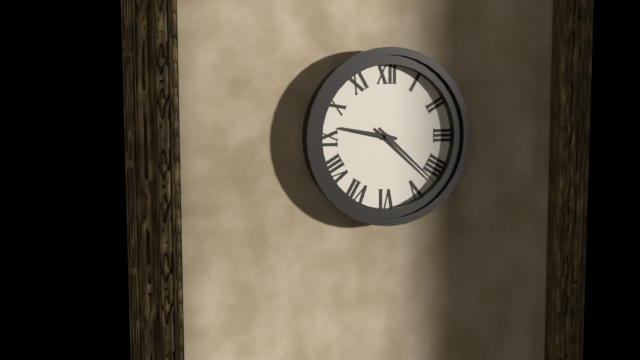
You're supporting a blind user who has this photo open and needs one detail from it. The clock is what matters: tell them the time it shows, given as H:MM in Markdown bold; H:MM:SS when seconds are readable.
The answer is **9:22**
